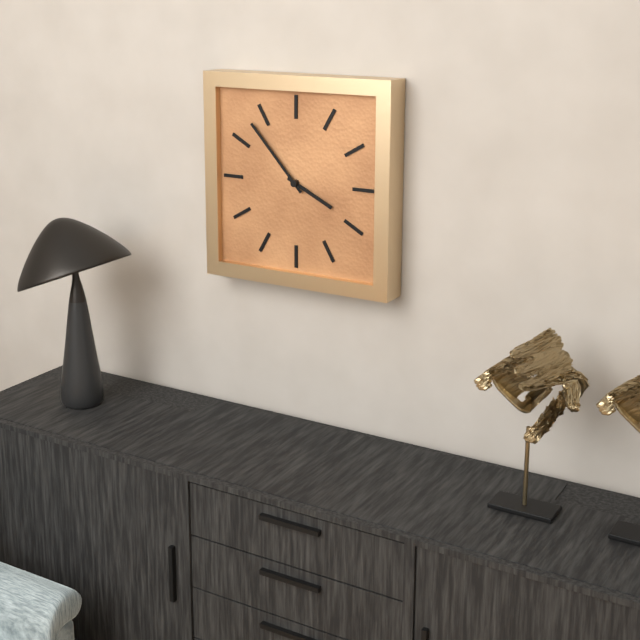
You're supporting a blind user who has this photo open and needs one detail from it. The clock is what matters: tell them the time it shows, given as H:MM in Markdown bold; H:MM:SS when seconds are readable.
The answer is **3:53**
